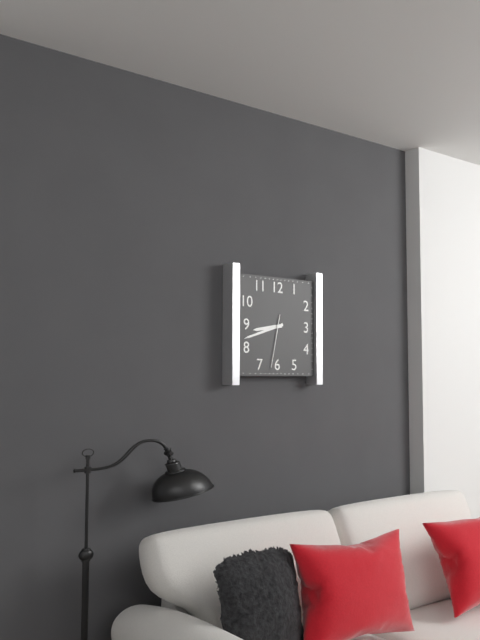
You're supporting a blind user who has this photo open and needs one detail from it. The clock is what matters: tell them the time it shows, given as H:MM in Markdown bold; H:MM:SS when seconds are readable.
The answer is **8:42:32**
